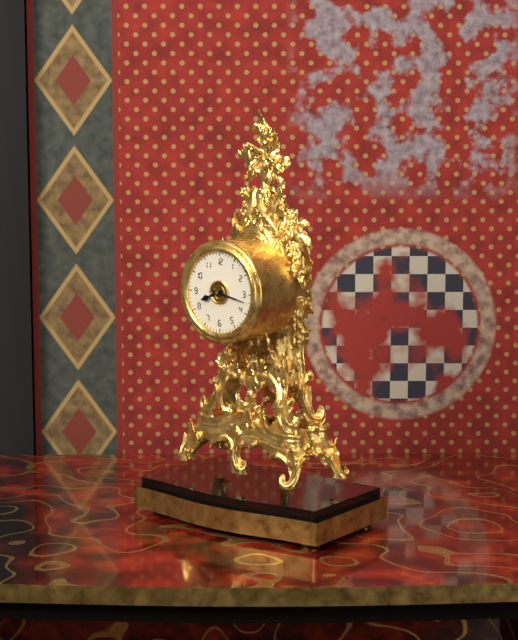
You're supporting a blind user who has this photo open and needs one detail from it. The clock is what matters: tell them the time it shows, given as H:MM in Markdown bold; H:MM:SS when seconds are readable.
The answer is **8:17**
